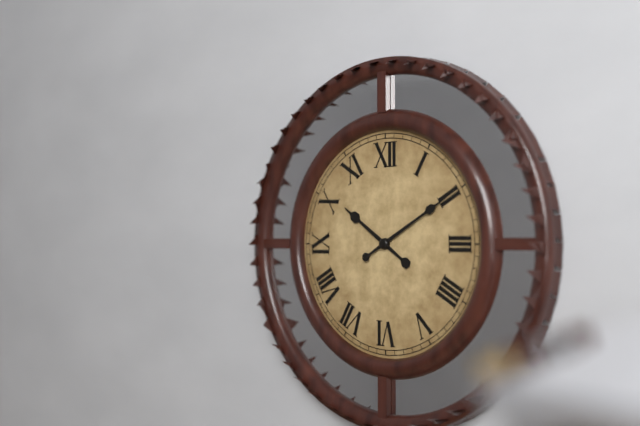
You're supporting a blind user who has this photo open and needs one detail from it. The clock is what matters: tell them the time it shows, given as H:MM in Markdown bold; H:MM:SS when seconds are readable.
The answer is **10:10**
